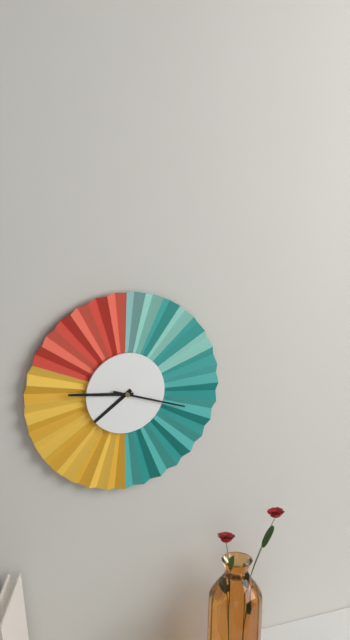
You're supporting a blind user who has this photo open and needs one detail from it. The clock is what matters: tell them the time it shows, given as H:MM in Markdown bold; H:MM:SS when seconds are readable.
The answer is **7:46:18**
